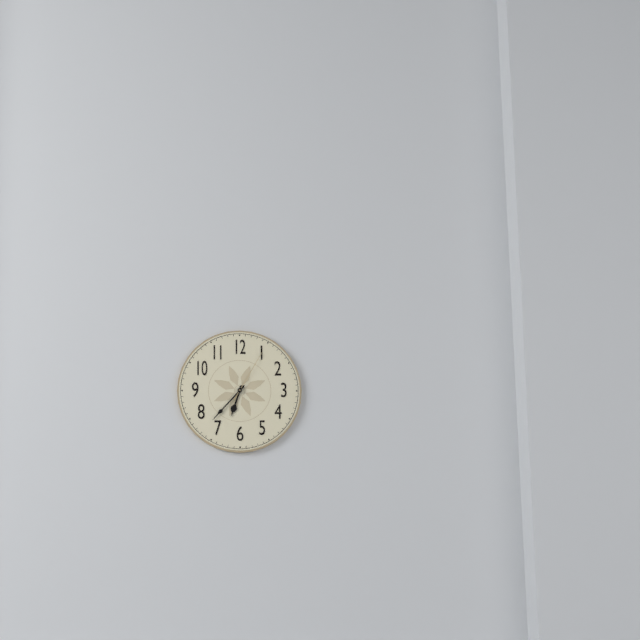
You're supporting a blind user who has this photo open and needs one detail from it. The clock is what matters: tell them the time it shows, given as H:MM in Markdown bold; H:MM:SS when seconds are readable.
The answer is **6:37:05**
